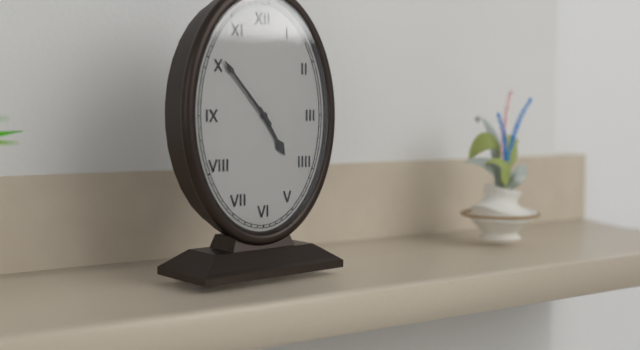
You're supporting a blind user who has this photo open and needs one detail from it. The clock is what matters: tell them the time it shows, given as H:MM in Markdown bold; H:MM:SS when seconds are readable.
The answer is **4:53**
